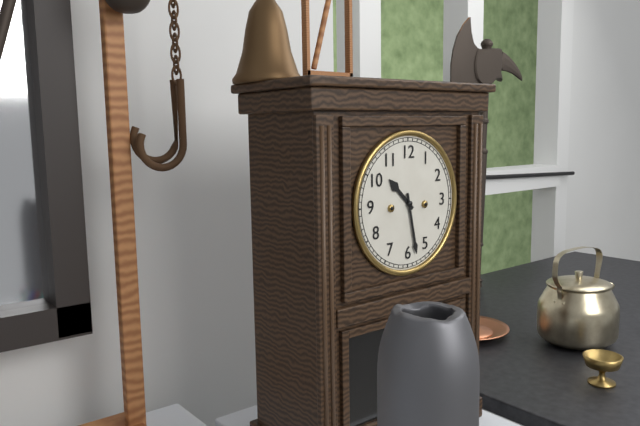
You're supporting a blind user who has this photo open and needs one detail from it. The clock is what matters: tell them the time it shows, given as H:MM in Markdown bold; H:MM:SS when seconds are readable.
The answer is **10:28**
